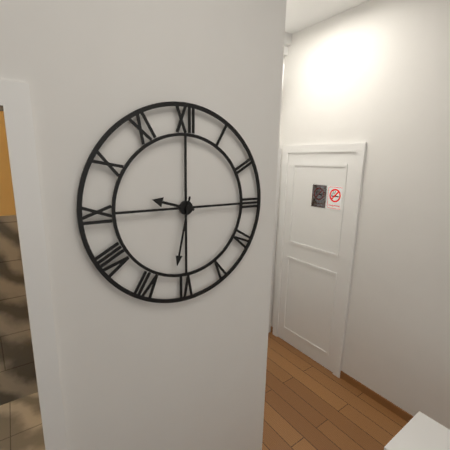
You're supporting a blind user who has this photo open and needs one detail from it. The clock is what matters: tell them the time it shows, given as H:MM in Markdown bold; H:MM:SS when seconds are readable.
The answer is **9:32**
